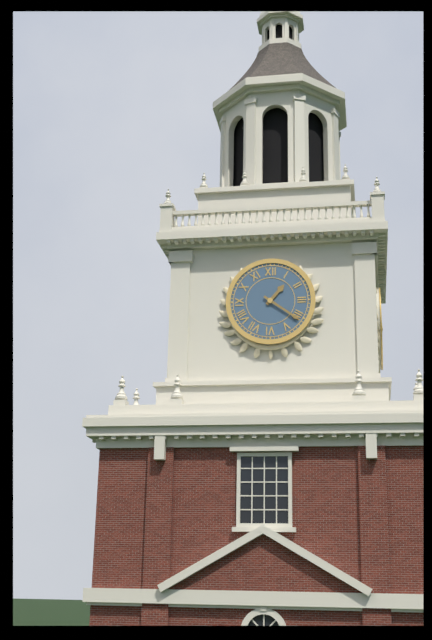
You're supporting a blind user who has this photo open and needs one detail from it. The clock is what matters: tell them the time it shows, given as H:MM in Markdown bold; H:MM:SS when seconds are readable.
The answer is **1:21**
